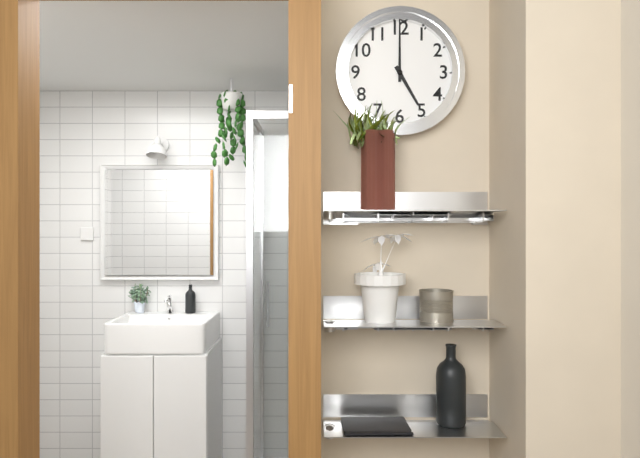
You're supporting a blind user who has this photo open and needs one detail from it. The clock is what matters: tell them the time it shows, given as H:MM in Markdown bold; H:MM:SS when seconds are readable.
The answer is **5:00**
